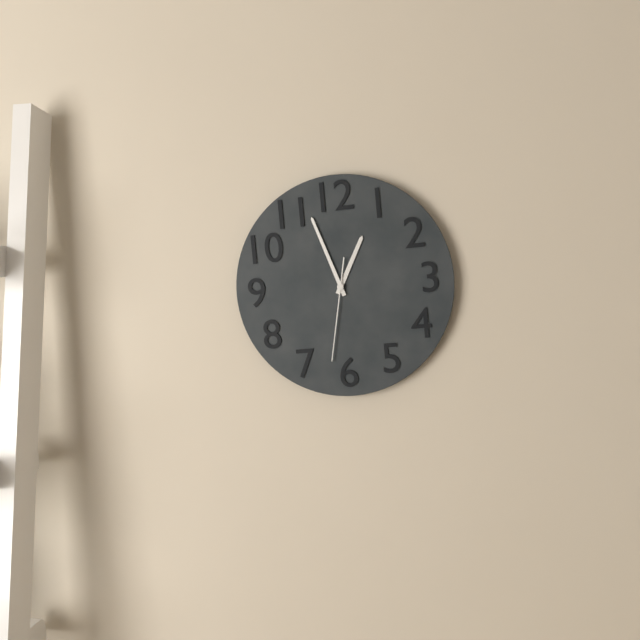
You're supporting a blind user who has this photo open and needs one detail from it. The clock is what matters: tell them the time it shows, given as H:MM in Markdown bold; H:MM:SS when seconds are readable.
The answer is **12:57:32**
